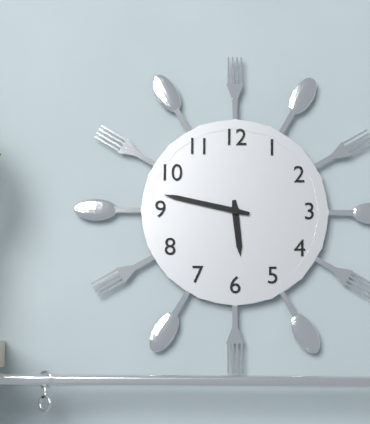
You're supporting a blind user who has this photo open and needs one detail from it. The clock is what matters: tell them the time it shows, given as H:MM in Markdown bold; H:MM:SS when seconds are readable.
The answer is **5:47**
